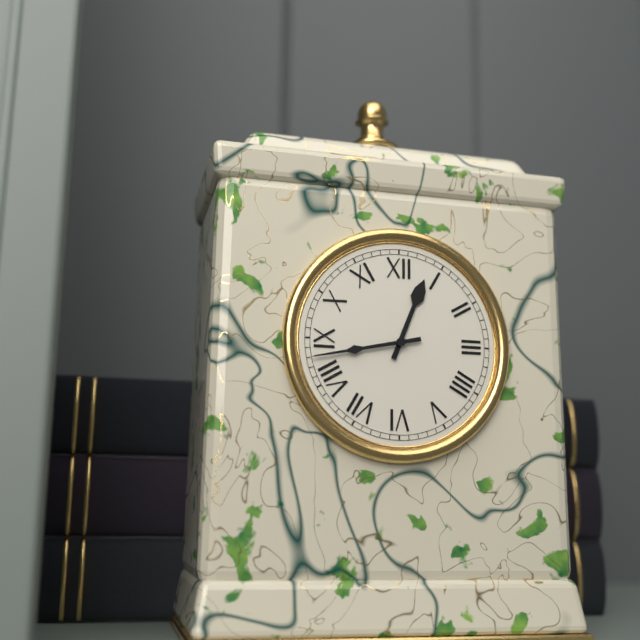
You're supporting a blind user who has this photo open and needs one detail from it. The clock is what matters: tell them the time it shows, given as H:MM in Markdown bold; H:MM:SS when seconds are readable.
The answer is **12:43**
